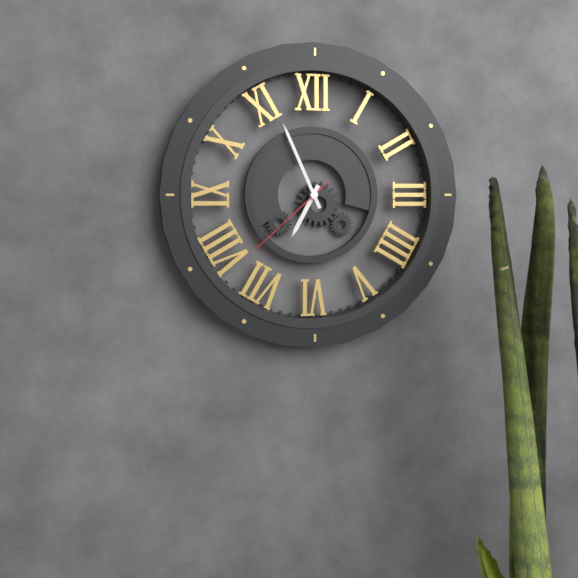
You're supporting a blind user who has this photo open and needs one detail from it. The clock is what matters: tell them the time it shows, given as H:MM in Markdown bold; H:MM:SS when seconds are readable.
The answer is **6:56:38**
